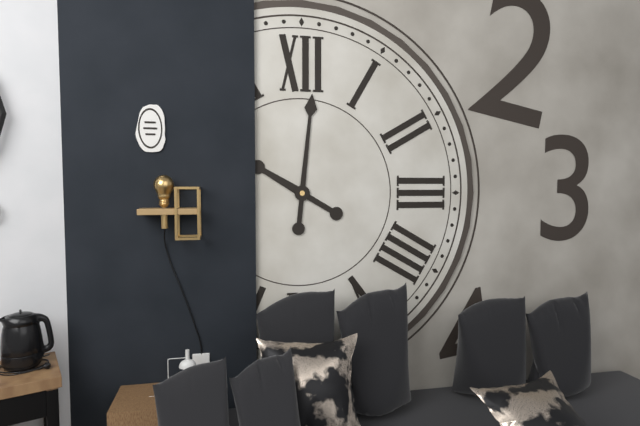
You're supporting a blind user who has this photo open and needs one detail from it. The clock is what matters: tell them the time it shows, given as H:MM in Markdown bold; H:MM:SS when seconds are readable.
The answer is **10:01**
